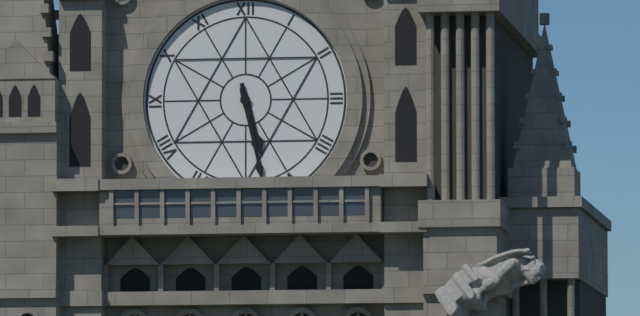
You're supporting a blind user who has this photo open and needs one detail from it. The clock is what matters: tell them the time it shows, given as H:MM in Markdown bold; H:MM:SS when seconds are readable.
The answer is **5:28**
